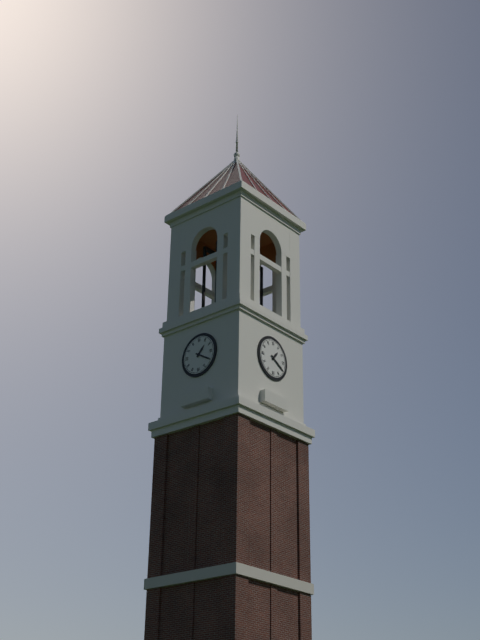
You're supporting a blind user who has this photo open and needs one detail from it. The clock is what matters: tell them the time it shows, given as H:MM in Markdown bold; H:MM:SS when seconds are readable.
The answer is **1:20**
